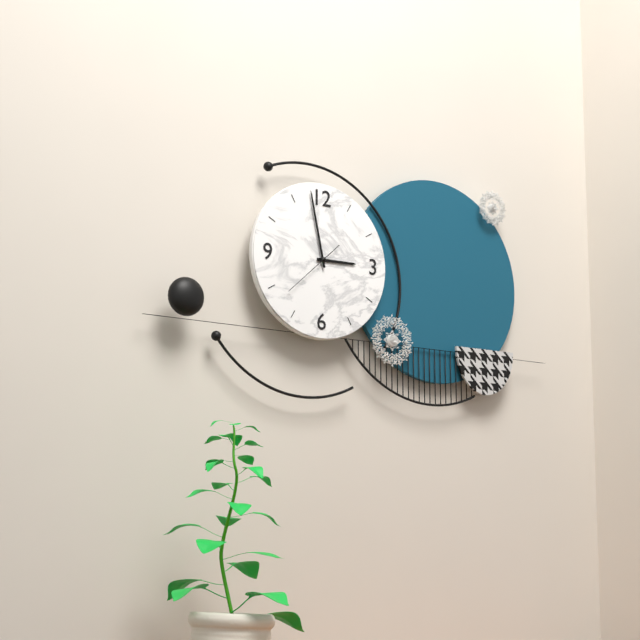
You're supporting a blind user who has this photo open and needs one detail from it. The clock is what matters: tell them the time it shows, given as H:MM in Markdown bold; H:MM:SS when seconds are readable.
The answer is **2:58:38**
